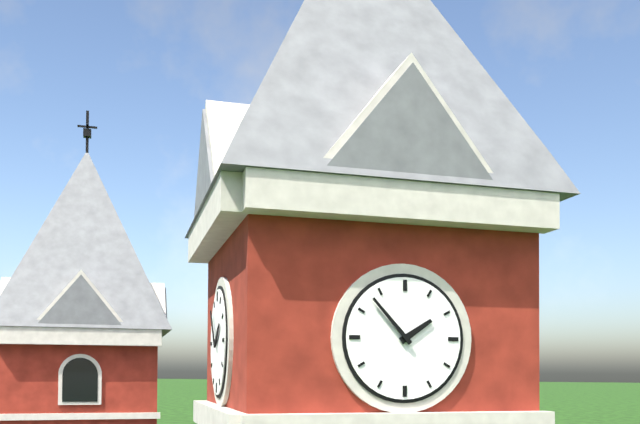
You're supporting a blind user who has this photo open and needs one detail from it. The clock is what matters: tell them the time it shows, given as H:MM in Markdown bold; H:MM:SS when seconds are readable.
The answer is **1:53**
